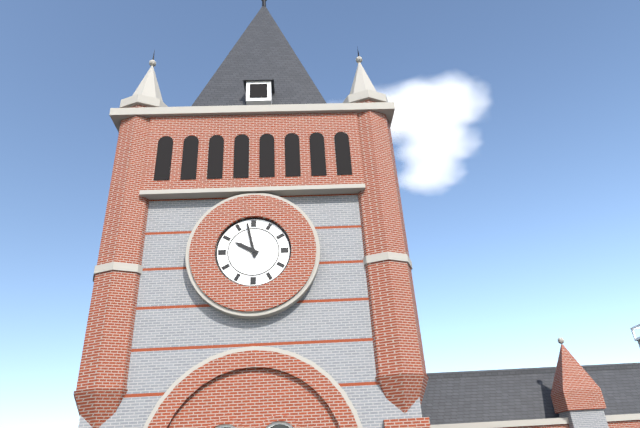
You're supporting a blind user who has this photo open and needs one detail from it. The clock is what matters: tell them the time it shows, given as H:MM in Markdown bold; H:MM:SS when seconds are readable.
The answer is **9:58**
